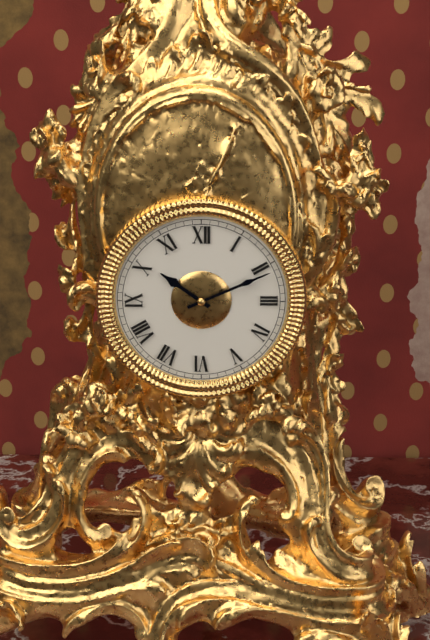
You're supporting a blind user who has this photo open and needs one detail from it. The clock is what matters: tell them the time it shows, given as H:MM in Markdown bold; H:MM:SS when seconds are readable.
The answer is **10:11**
